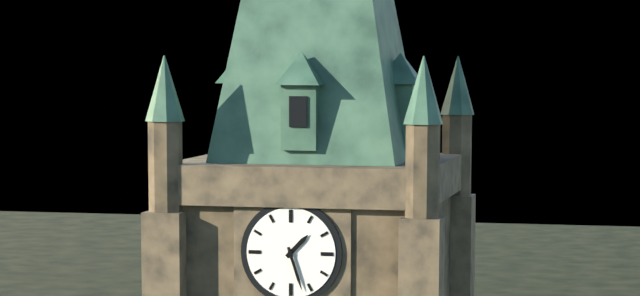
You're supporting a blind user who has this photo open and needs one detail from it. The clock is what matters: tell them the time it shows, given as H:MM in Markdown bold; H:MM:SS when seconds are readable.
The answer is **1:27**
